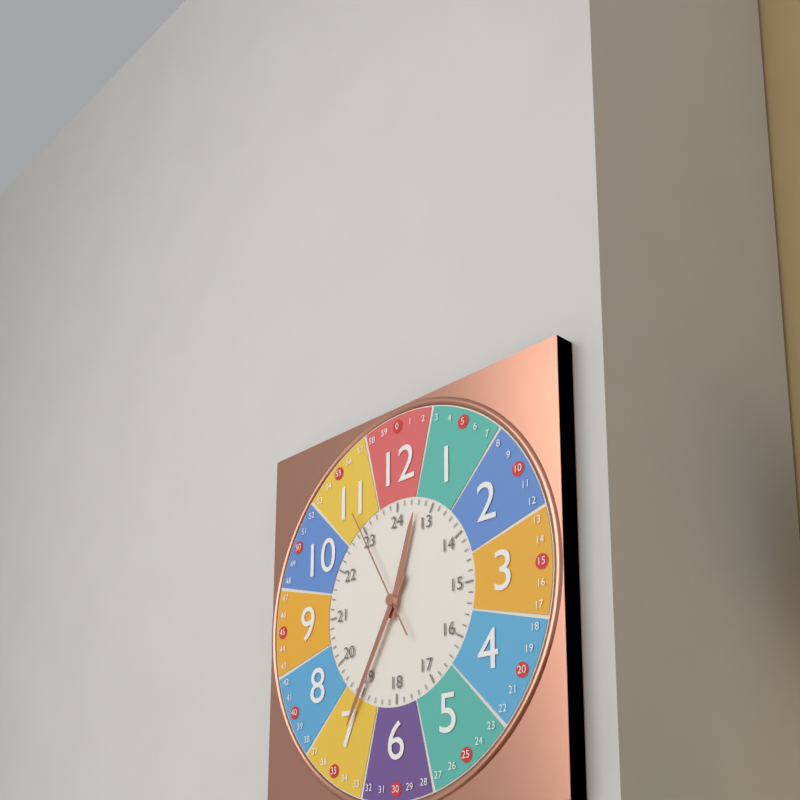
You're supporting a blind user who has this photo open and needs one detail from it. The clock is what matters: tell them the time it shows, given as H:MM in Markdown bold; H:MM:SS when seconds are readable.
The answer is **12:35:55**
